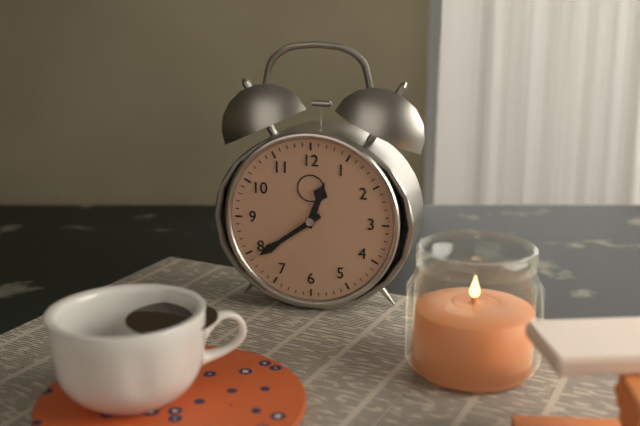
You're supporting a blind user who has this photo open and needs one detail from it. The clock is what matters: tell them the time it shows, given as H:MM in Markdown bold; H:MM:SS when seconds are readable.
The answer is **12:39**
